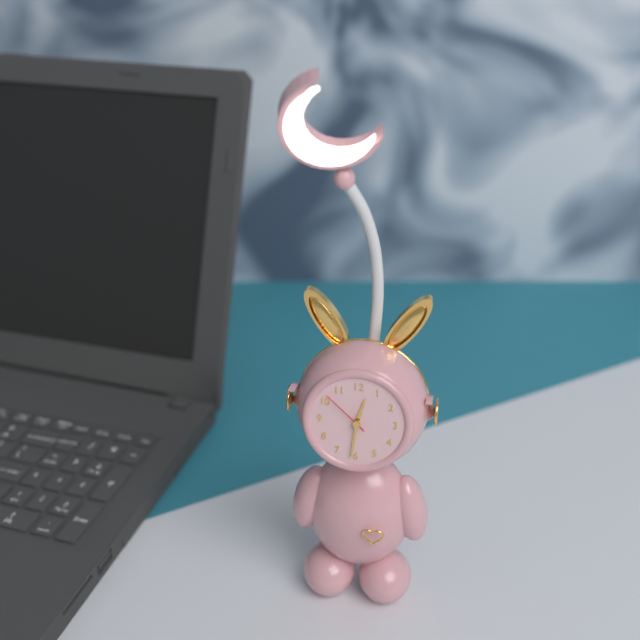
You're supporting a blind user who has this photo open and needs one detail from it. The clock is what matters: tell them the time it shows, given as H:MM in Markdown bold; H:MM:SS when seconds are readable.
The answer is **12:31:52**
